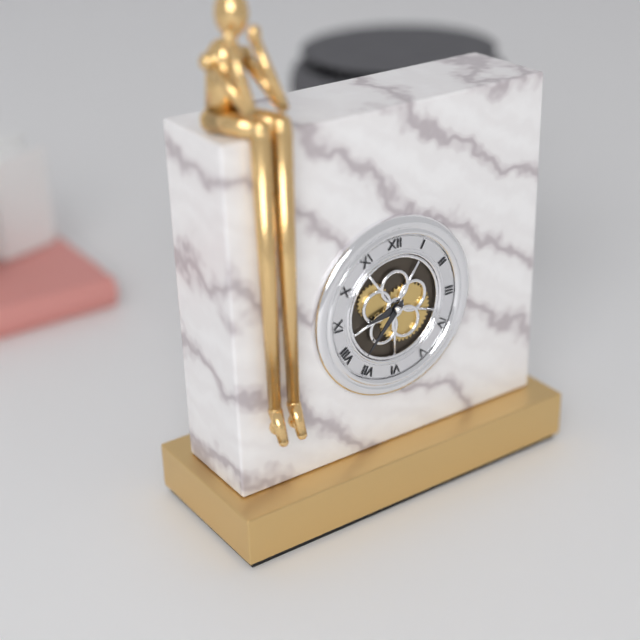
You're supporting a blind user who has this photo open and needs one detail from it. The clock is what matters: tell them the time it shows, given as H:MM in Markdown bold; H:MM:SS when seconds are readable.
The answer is **8:37**
